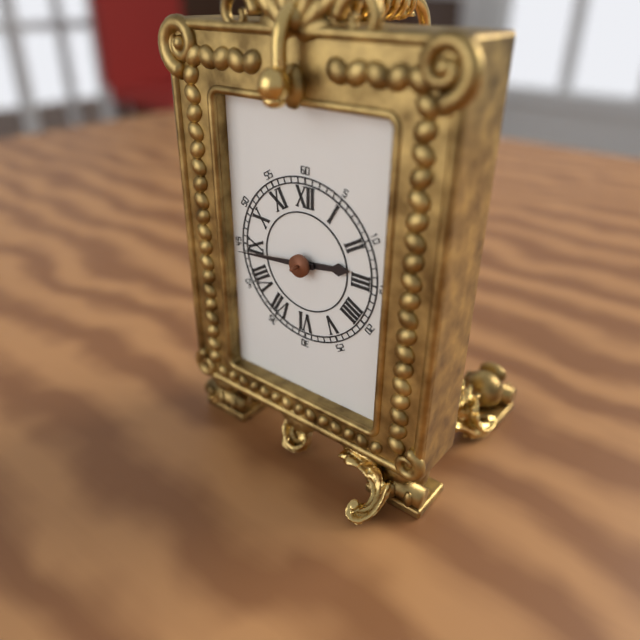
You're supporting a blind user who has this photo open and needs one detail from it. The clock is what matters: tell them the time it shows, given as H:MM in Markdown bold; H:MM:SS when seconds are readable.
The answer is **2:44**
